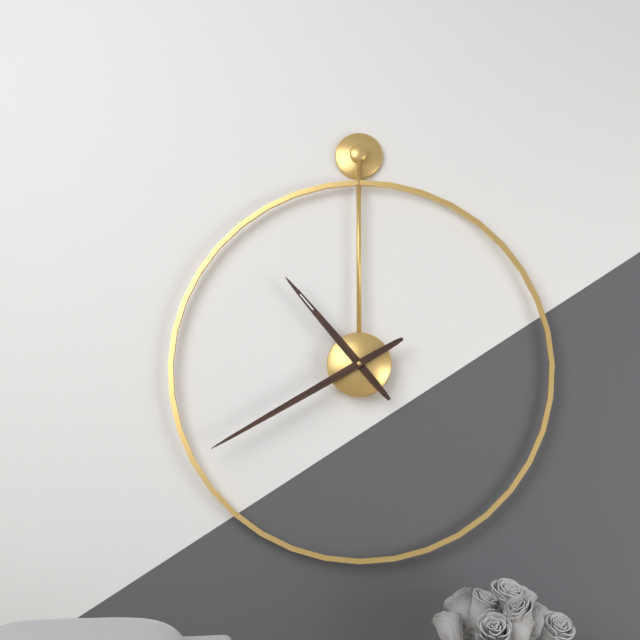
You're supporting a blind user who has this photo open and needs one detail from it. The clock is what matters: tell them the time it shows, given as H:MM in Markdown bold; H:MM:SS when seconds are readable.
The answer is **10:40**
